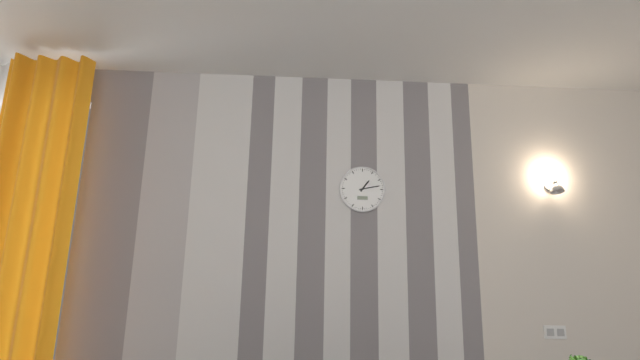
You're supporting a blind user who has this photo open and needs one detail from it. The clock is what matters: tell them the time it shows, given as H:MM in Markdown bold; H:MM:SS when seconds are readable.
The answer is **1:13**
